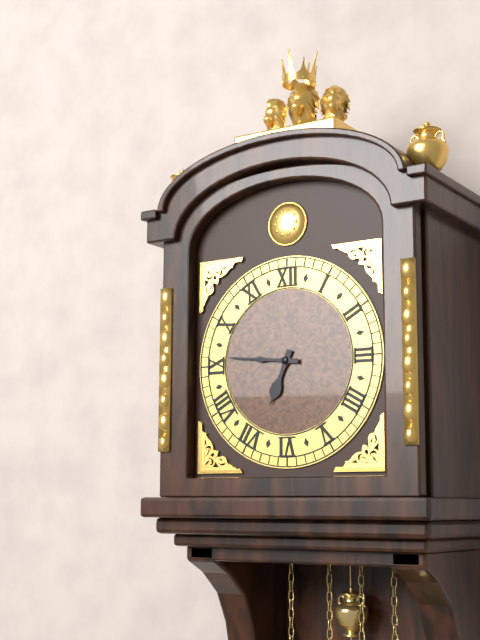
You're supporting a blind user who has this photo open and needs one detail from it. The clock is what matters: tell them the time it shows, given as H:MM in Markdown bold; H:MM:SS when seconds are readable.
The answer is **6:46**
